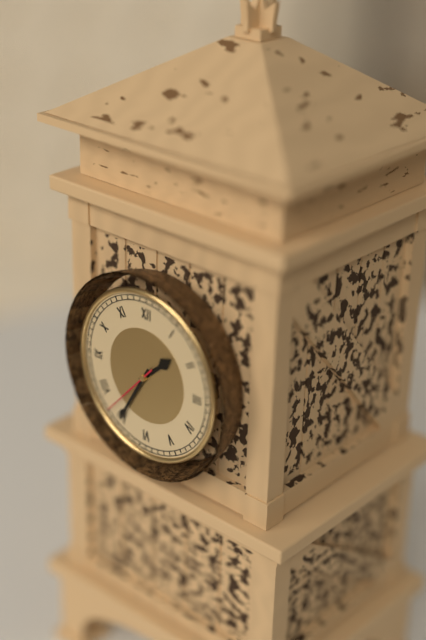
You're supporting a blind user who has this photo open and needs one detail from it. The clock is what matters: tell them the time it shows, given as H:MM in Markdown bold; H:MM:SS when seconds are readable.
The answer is **1:35:37**
